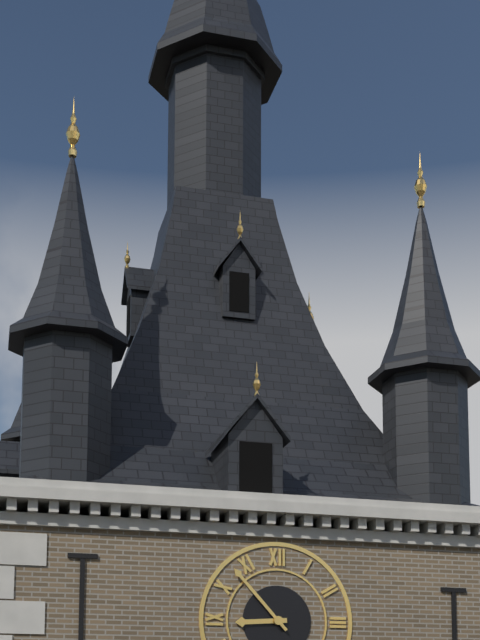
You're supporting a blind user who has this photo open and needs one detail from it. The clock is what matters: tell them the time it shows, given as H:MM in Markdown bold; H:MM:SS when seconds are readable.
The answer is **8:53**
